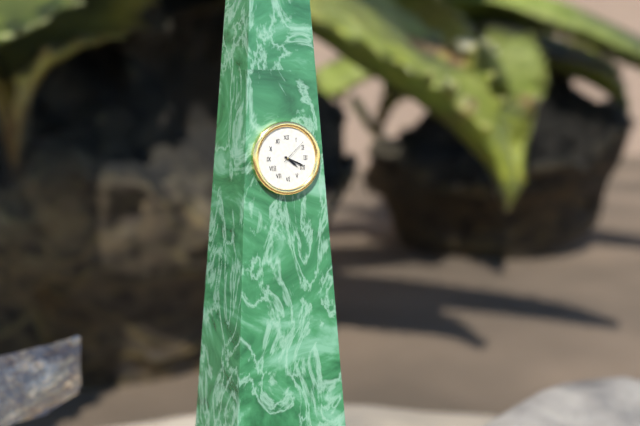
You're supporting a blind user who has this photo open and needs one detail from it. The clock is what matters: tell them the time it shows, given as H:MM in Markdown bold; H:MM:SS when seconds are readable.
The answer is **4:19**
